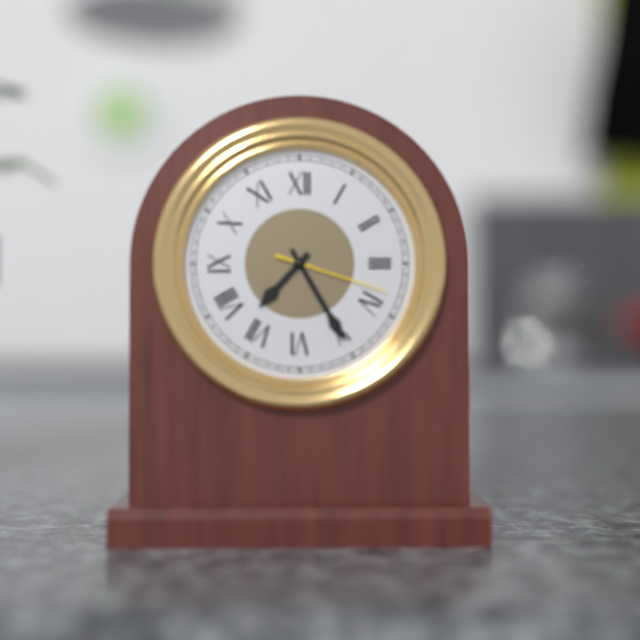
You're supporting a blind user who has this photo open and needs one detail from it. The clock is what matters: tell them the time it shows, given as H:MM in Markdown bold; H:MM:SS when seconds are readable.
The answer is **7:25:18**
